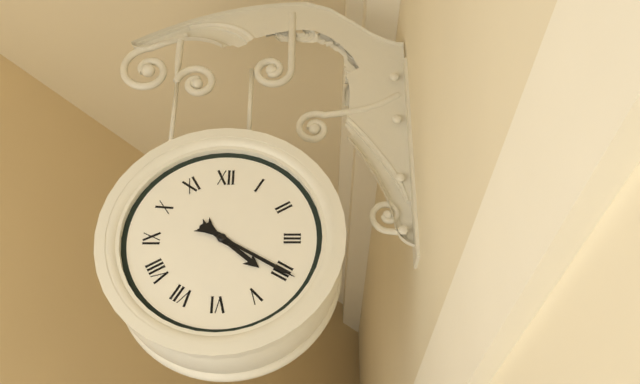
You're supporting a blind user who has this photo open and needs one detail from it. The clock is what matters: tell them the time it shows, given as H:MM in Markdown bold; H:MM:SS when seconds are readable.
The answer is **4:20**
